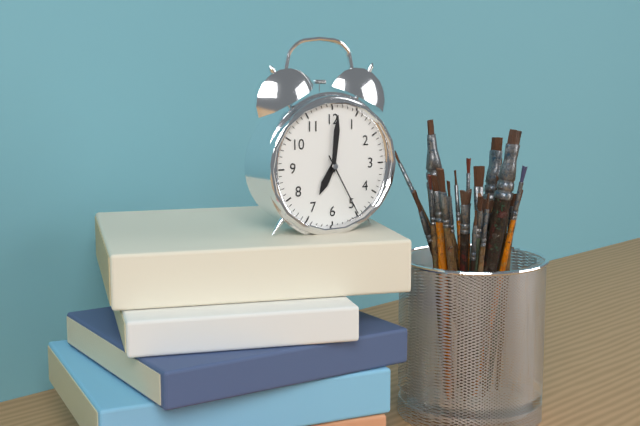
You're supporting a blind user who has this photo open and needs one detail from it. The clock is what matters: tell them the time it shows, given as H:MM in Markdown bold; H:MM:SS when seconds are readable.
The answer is **7:01:25**
